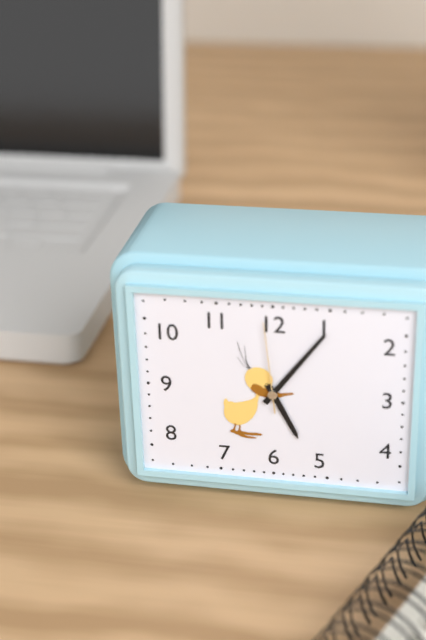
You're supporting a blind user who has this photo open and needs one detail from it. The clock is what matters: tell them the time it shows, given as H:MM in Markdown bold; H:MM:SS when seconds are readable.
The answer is **5:06**
